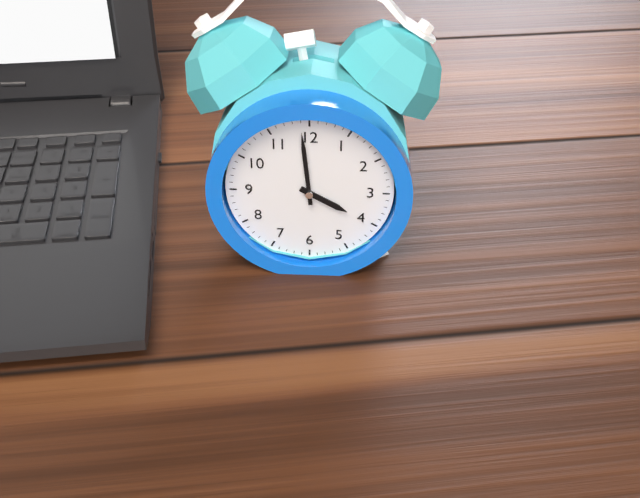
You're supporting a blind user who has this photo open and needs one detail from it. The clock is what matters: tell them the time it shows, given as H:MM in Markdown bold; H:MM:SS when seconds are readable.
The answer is **3:59**
